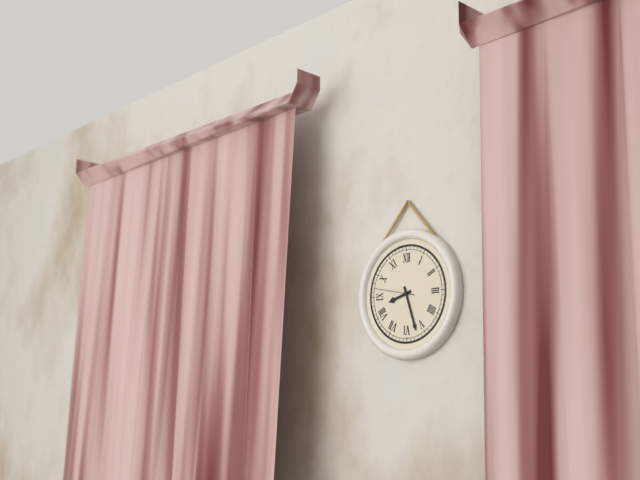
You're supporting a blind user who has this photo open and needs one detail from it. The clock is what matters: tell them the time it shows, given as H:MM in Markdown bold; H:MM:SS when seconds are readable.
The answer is **8:27**
